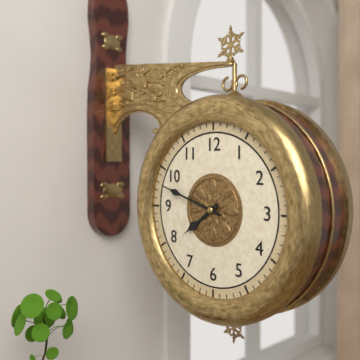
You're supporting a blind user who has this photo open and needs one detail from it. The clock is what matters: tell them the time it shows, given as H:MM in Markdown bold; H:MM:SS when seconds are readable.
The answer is **7:48**
